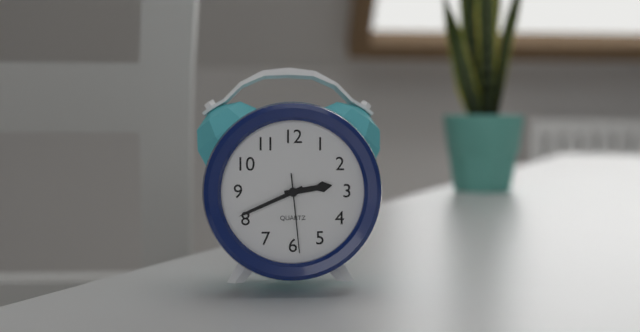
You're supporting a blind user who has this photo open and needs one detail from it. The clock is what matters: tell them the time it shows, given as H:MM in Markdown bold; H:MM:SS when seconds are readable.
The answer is **2:41:29**
